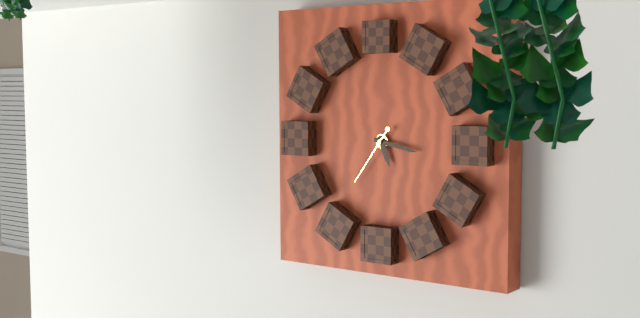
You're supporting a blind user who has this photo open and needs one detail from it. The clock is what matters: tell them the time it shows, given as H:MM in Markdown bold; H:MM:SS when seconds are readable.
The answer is **5:17:36**
